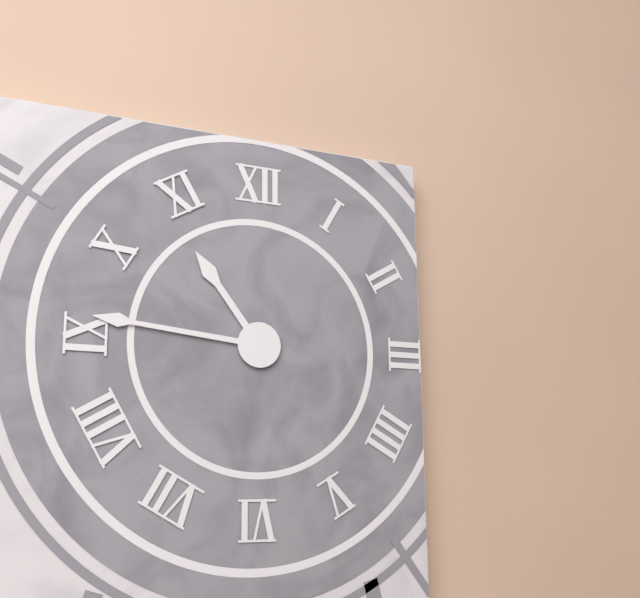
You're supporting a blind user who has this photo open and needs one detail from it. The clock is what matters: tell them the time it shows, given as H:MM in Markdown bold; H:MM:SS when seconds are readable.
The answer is **10:46**
